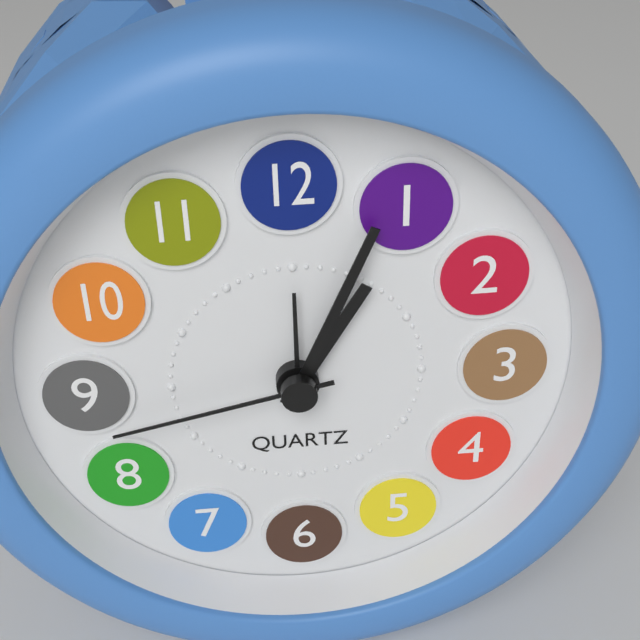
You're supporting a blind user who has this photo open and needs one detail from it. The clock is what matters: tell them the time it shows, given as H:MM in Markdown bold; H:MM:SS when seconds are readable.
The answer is **1:04:43**
